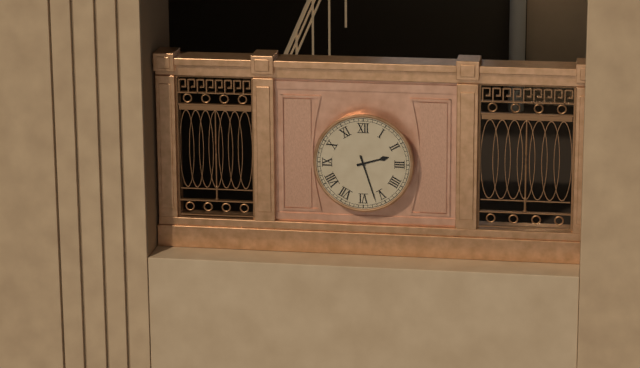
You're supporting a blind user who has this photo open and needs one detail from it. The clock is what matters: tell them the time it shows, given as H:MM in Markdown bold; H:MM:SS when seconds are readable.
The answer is **2:27**
